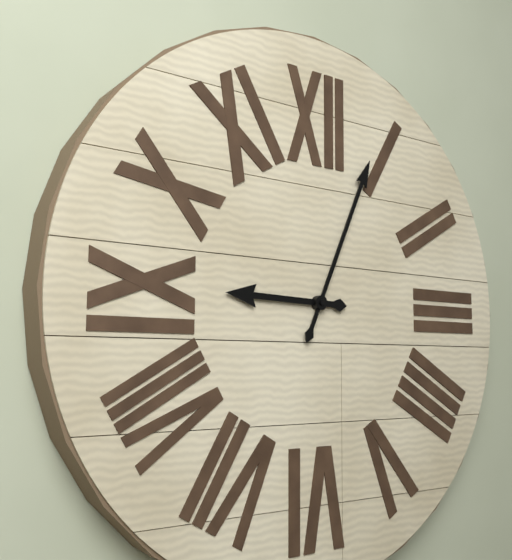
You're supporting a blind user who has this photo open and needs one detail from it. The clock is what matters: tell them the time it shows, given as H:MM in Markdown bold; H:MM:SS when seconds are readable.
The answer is **9:04**
